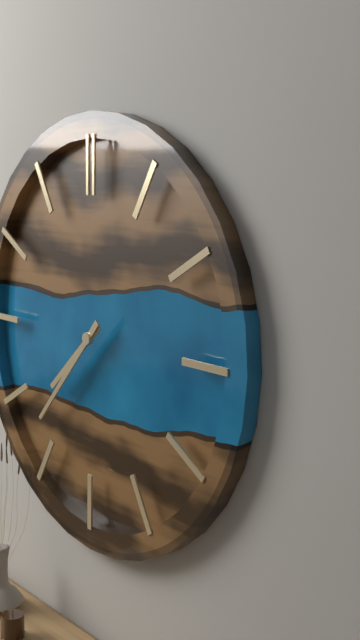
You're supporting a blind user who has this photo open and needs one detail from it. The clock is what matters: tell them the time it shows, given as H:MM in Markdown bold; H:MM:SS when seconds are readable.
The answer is **7:37**
